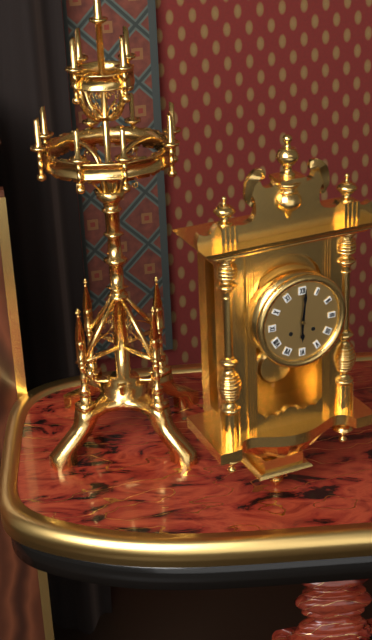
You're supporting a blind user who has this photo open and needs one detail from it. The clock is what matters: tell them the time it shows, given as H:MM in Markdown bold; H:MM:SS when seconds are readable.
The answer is **6:01**
